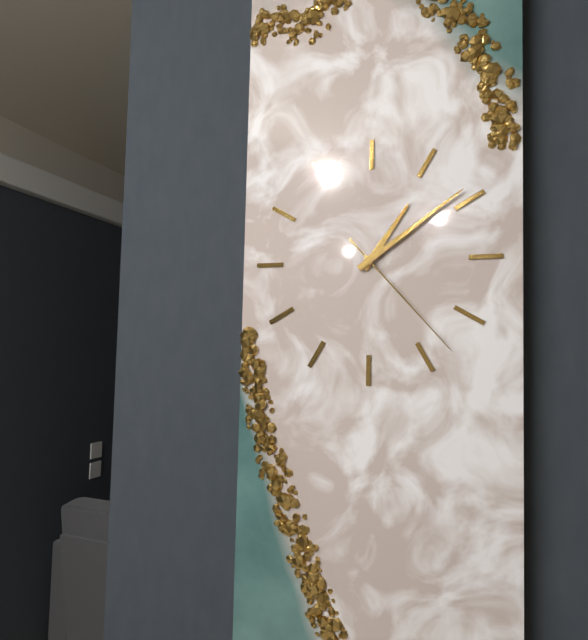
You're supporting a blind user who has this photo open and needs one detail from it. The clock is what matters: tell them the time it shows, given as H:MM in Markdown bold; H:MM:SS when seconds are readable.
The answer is **1:09:23**
